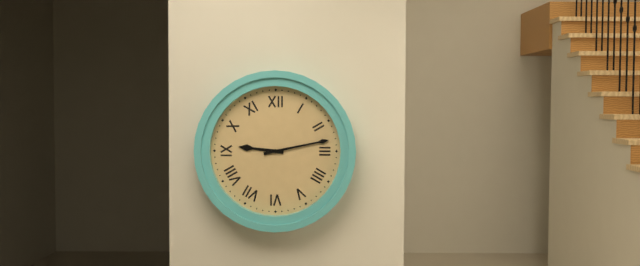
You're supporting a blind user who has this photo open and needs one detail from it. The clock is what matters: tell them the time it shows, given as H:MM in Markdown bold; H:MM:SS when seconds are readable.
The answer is **9:13**
